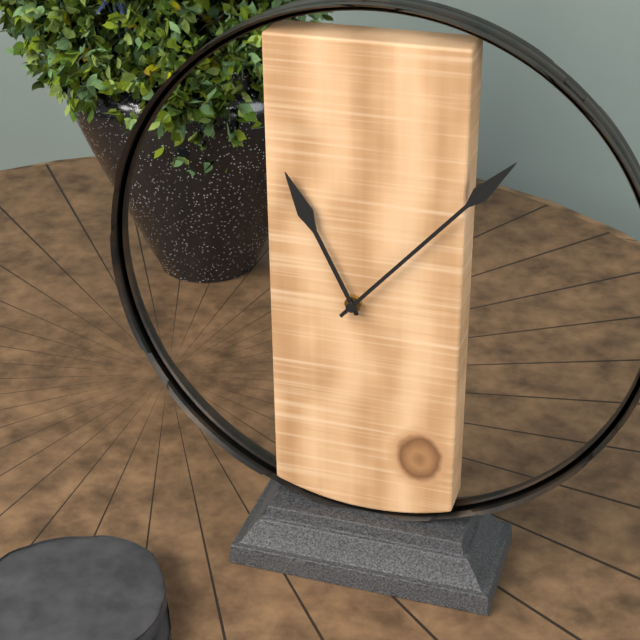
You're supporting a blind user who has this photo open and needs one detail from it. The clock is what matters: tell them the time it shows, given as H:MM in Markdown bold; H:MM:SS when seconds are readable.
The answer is **11:07**
